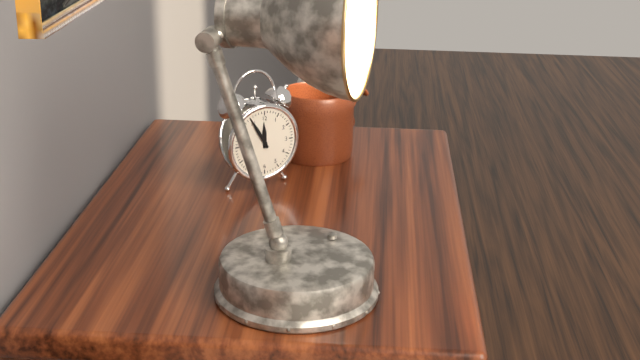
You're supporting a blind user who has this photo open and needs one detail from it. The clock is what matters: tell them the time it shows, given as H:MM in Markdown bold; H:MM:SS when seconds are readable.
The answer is **11:55**
